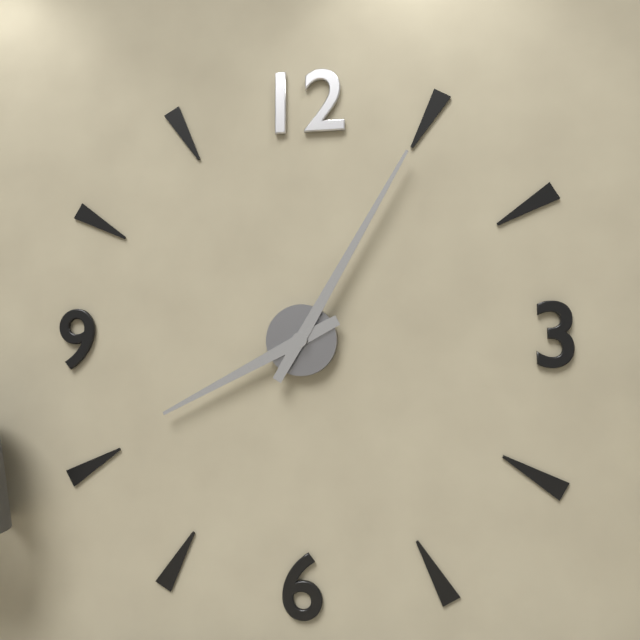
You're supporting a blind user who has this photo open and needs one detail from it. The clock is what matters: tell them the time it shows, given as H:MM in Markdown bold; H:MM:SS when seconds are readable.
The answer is **8:05**
